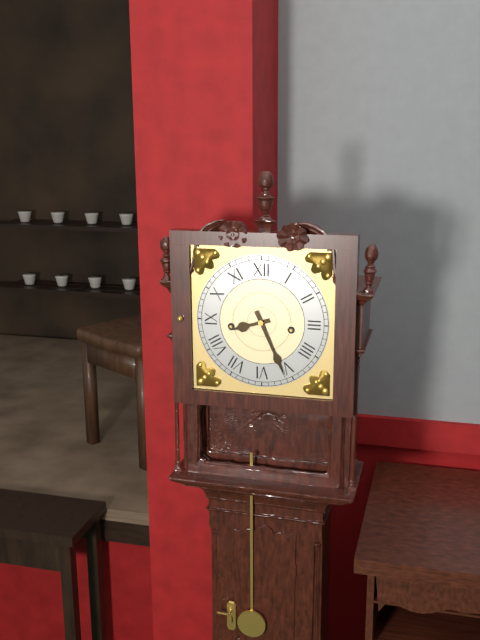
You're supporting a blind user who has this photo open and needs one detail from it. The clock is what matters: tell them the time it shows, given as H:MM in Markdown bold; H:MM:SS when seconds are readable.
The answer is **8:26**
